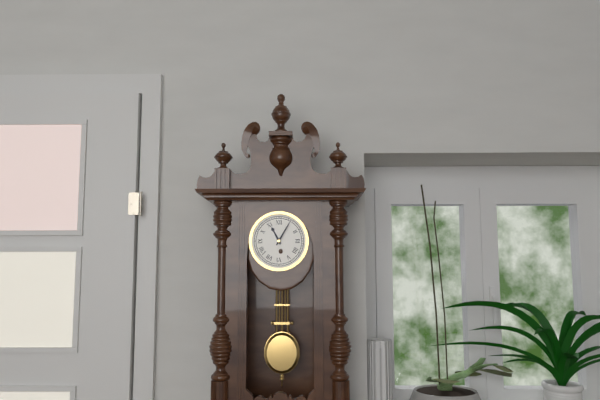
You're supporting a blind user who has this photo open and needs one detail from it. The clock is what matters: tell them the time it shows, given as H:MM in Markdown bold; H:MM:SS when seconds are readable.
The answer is **11:05**
